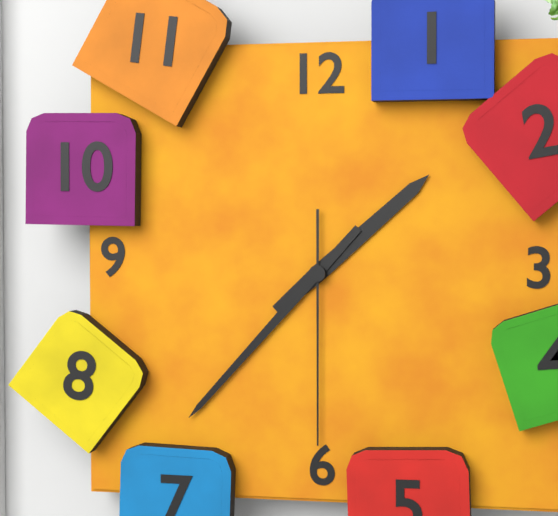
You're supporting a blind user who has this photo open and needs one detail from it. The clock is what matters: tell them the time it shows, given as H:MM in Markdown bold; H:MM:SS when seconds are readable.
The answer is **1:37:30**
